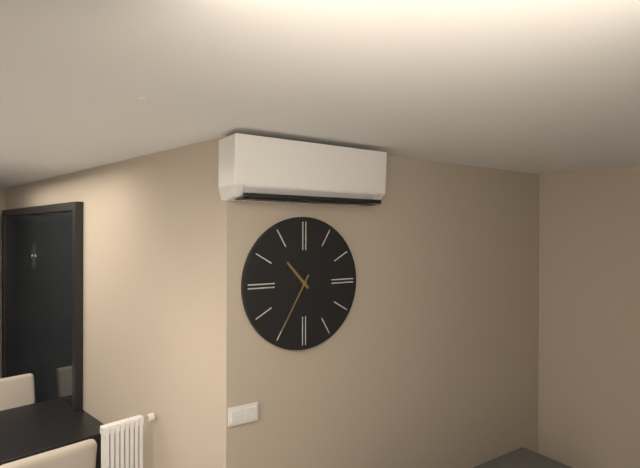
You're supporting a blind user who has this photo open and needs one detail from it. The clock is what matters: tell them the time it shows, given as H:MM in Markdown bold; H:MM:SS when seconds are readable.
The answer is **10:35**
